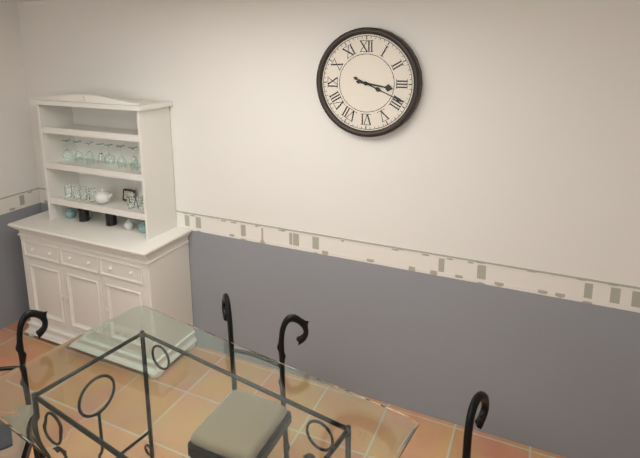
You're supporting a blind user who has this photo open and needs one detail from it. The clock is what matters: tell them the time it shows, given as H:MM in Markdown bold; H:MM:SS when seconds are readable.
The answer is **3:19**
